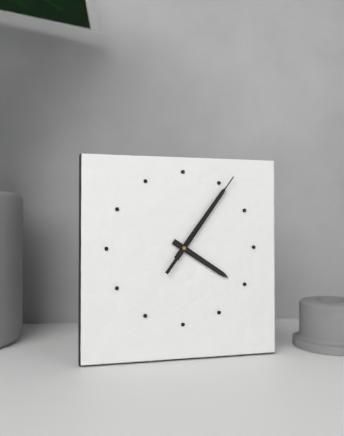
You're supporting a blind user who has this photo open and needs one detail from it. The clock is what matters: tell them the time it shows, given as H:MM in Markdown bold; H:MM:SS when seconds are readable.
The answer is **4:06:06**
